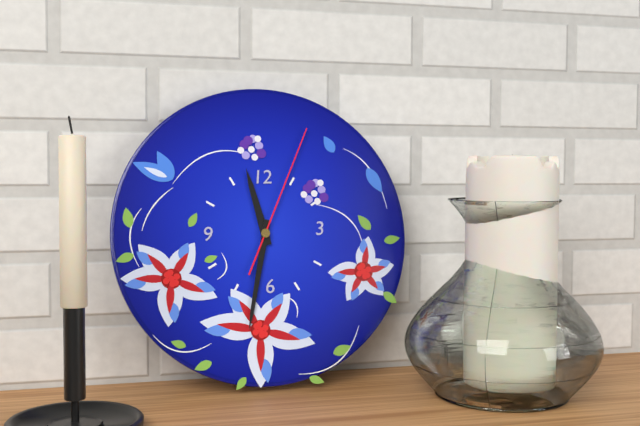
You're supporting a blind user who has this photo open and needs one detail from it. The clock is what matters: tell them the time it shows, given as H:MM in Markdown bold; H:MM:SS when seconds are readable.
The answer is **11:32:04**
